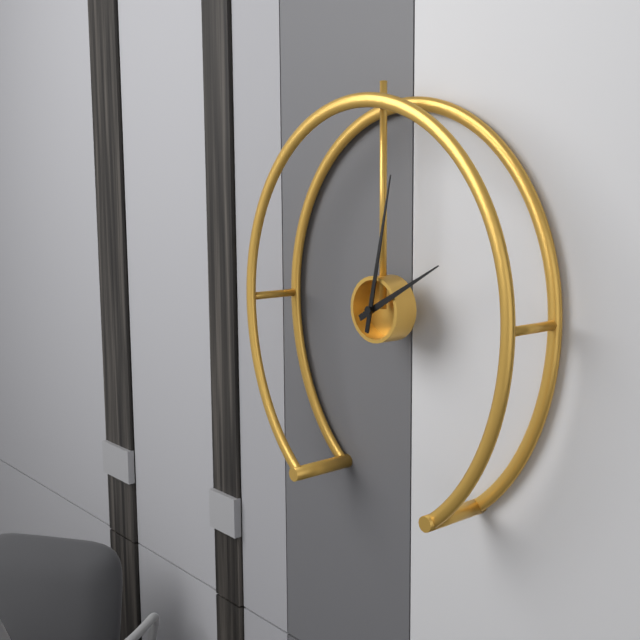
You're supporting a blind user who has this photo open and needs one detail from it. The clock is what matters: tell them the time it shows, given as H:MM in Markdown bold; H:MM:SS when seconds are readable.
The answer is **2:02**
